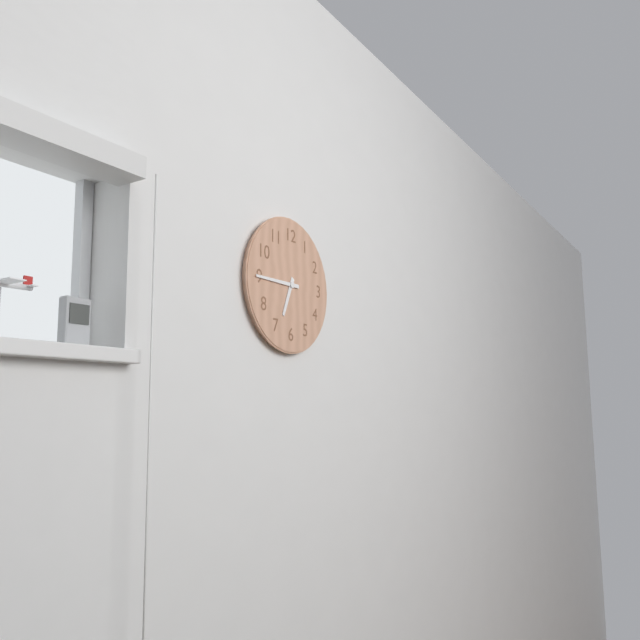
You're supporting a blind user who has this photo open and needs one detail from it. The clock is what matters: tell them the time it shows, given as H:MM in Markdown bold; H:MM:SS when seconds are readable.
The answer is **6:45**
